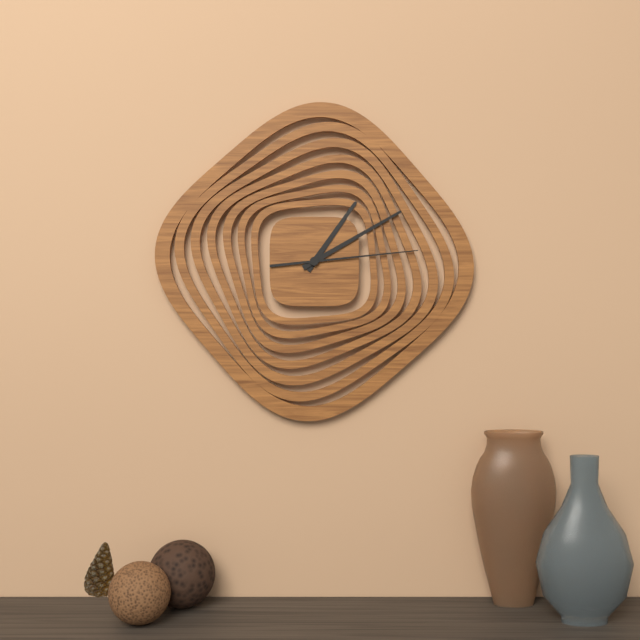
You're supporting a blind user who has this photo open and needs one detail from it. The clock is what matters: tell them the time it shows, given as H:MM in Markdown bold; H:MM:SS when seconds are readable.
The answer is **1:10:14**
